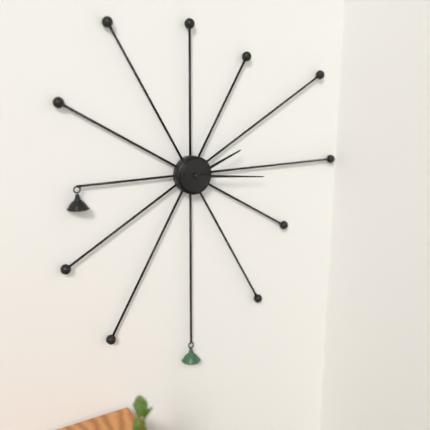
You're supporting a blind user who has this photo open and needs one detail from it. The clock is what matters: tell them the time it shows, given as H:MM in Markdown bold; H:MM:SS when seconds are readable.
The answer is **2:16**
